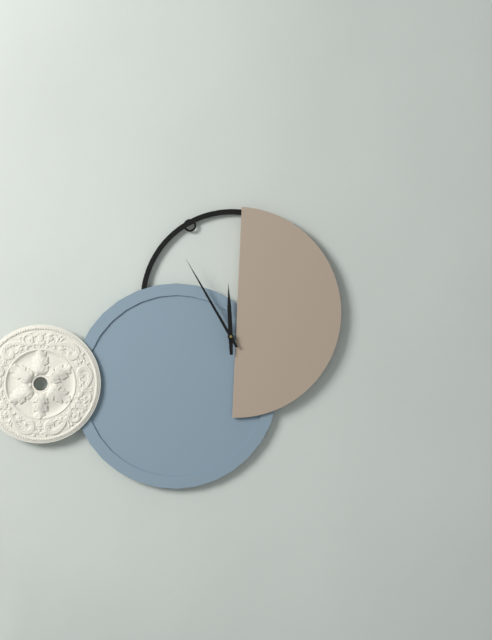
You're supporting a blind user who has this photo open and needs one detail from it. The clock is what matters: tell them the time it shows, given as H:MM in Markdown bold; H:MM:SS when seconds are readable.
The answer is **11:55**
